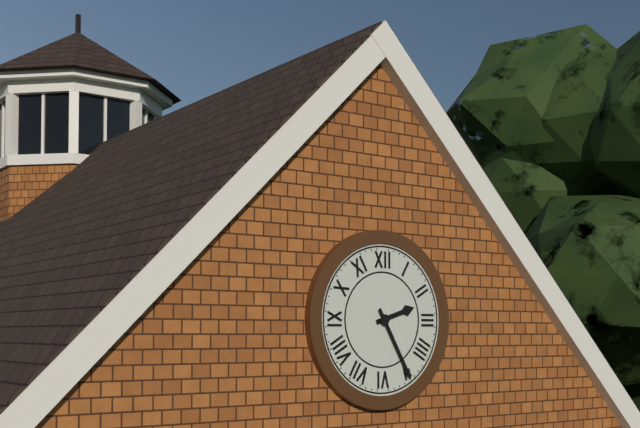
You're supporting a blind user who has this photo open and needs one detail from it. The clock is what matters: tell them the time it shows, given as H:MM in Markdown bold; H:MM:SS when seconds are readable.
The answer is **2:25**
